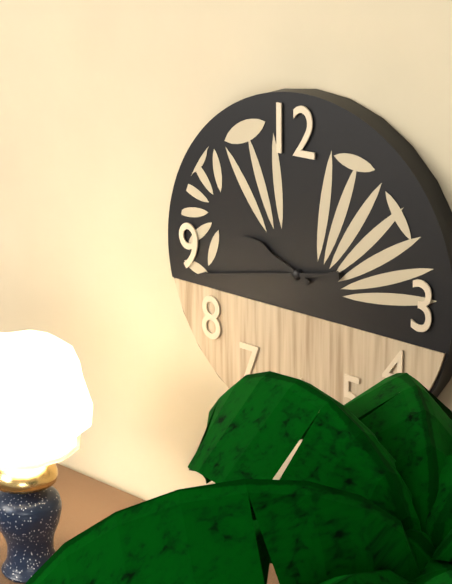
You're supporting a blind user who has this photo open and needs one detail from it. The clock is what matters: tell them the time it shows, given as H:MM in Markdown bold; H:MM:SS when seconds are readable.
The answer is **9:43**
